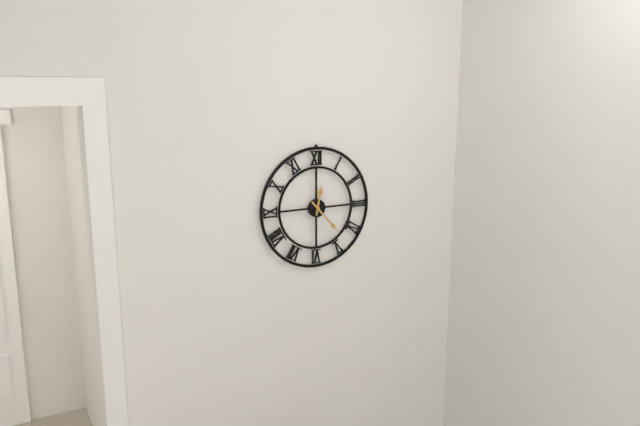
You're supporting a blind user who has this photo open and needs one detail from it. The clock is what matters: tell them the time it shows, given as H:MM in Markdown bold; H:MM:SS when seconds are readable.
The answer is **12:23**
